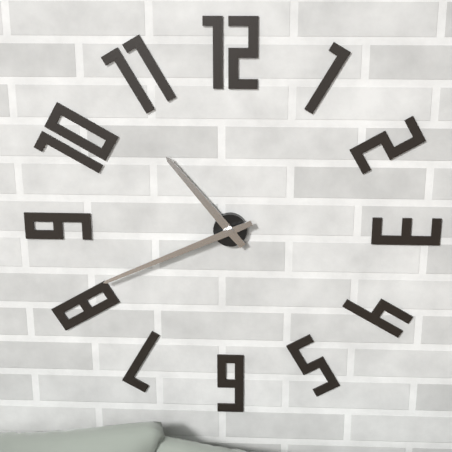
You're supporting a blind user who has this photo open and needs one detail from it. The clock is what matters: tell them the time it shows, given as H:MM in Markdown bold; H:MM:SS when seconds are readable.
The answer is **10:41**
